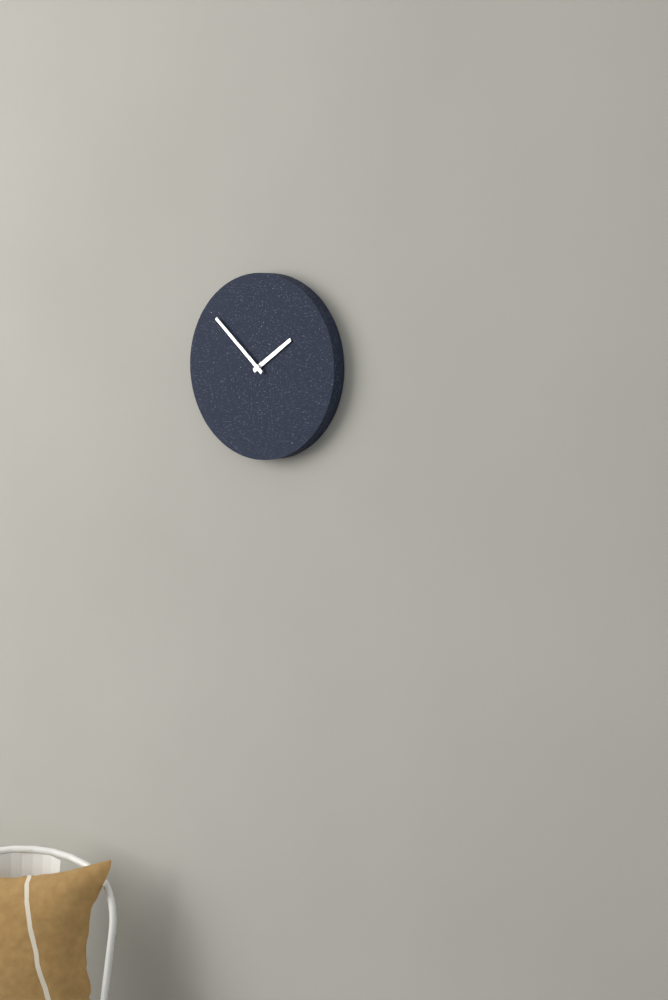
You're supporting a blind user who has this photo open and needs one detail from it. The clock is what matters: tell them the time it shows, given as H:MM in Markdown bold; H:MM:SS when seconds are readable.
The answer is **1:52**
